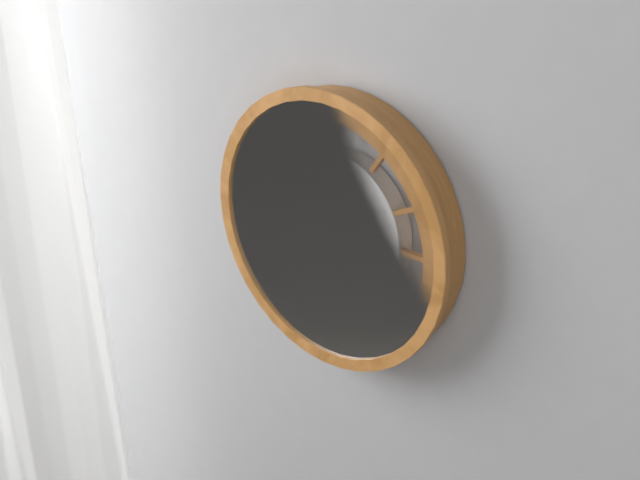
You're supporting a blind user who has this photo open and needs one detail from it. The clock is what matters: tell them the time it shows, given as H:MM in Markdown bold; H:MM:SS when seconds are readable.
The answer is **8:00**
